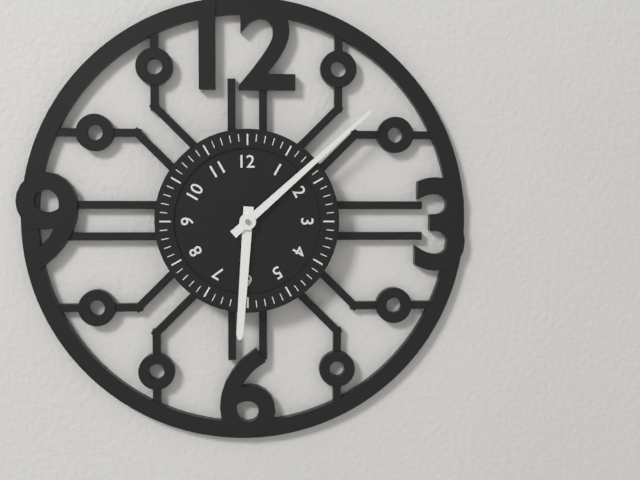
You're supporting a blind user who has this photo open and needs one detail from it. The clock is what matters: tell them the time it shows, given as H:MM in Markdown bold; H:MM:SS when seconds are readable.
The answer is **6:08**
